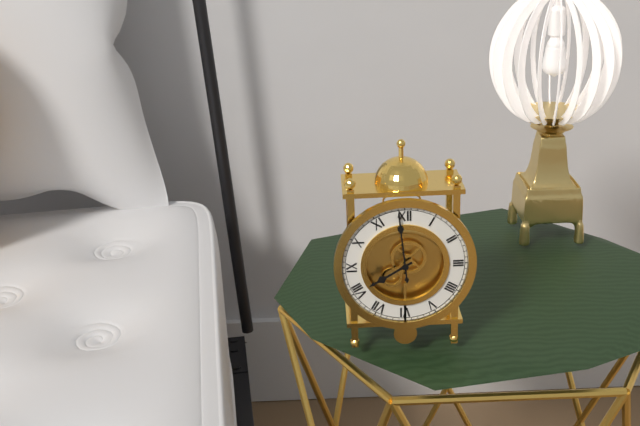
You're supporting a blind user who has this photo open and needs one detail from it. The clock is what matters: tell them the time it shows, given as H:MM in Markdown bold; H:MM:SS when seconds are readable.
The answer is **7:59**
